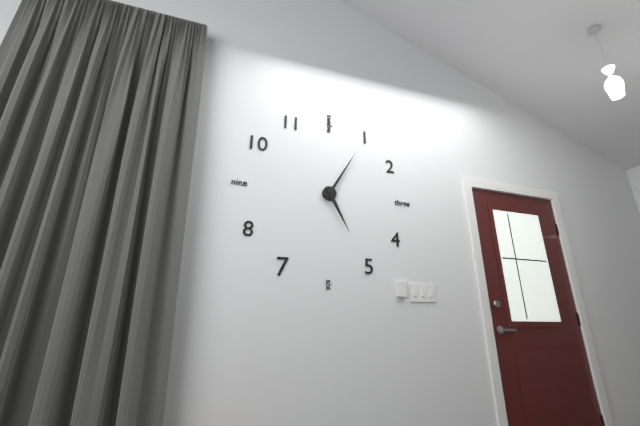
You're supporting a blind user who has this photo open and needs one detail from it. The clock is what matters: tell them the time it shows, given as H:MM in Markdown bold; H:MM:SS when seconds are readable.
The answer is **5:05**
